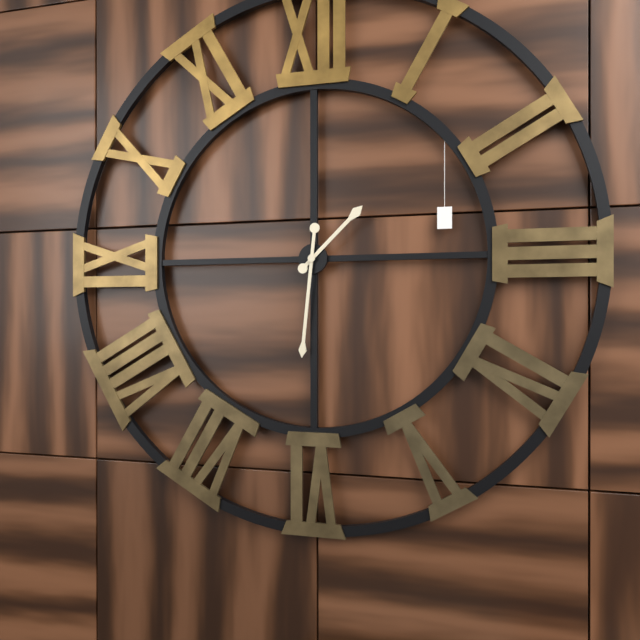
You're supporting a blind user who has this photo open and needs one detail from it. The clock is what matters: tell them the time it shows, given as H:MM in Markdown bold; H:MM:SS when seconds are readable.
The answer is **1:31**
